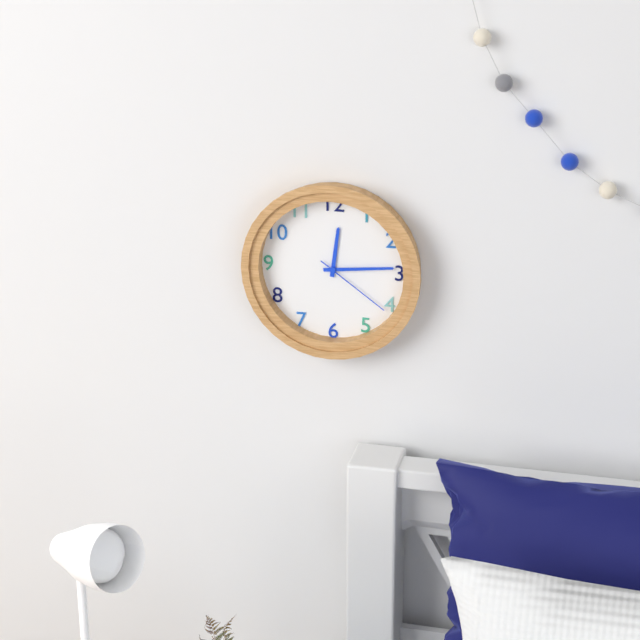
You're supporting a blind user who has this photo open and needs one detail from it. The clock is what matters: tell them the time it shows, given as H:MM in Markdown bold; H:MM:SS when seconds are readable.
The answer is **12:14:21**
